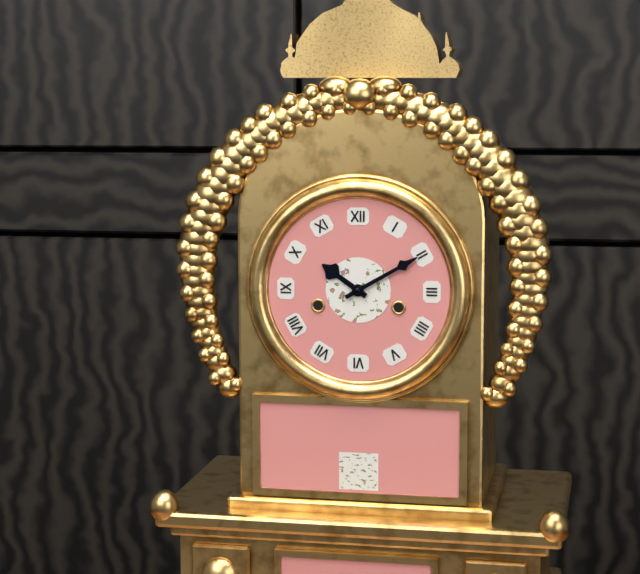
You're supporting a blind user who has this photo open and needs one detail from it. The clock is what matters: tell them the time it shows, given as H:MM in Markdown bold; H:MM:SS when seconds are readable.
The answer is **10:10**
